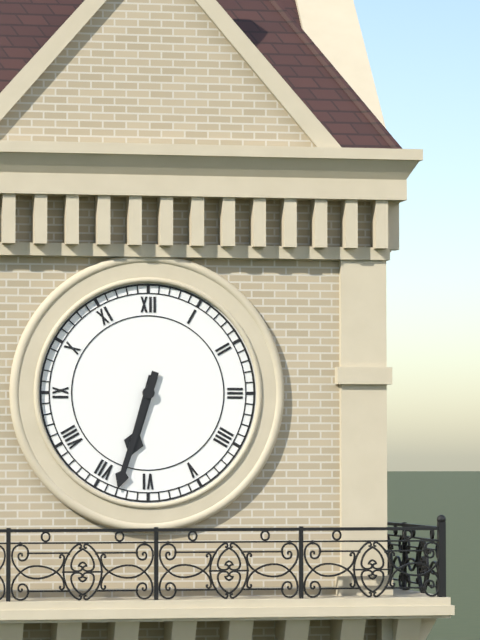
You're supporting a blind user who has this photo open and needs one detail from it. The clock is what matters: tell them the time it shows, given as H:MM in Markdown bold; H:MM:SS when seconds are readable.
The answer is **6:33**
